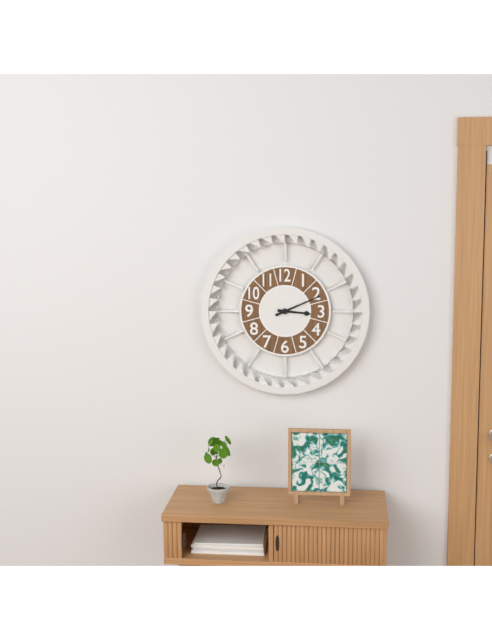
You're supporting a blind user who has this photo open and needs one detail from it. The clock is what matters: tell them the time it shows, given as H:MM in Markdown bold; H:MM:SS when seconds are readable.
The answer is **3:11**
